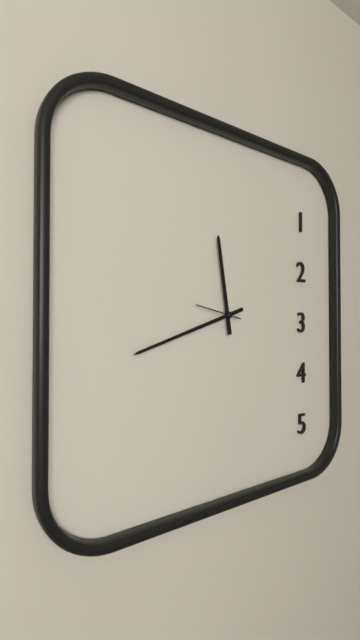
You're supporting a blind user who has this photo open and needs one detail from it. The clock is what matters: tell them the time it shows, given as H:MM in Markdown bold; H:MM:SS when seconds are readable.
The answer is **11:42**
